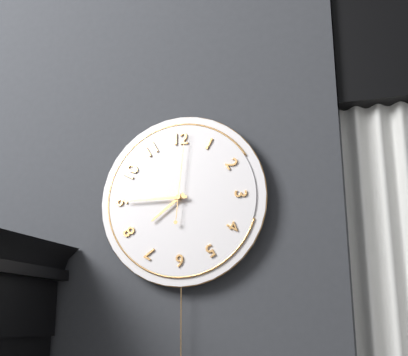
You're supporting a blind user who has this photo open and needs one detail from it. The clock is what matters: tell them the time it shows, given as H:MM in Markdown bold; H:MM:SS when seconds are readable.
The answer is **7:45:01**
